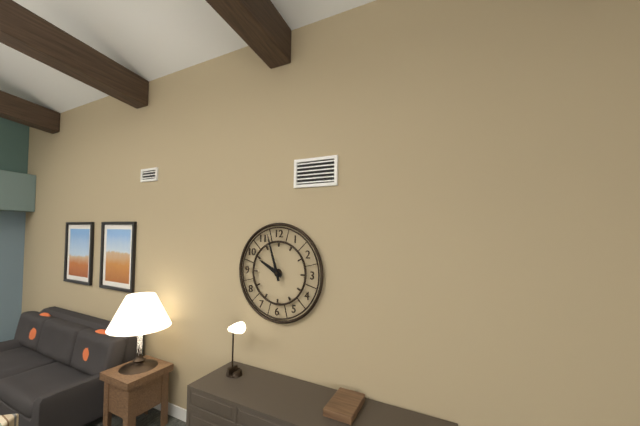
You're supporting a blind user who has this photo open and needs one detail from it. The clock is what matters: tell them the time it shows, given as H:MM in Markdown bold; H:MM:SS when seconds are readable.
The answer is **9:57**
